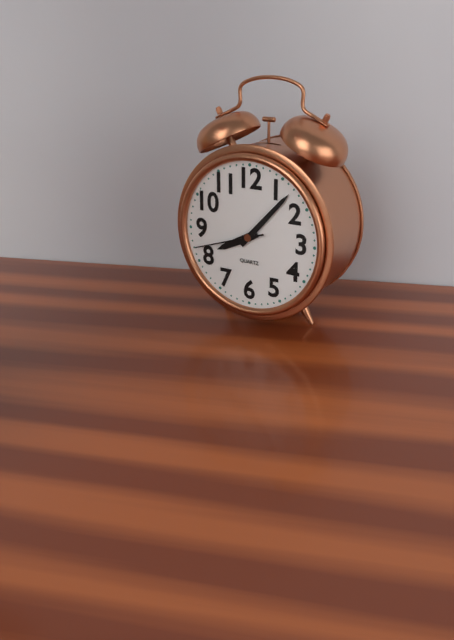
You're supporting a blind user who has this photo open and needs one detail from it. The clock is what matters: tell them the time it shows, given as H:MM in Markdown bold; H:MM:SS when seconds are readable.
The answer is **8:07:42**
